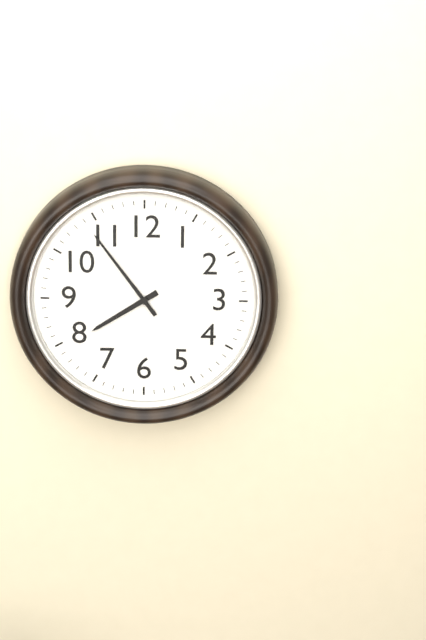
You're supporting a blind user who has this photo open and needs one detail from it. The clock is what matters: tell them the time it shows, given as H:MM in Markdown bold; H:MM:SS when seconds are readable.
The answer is **7:54**
